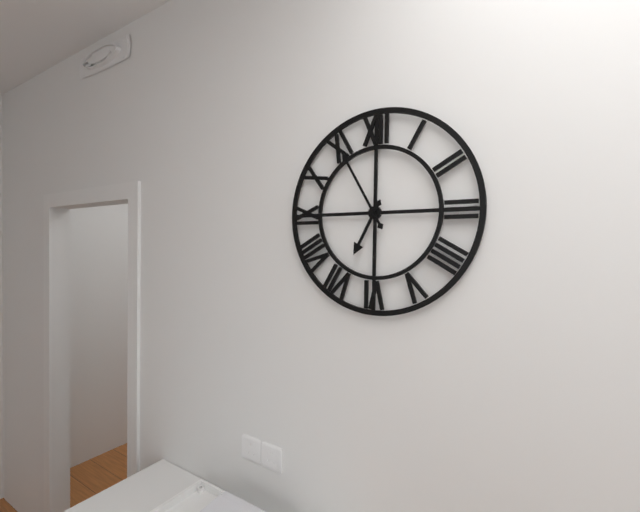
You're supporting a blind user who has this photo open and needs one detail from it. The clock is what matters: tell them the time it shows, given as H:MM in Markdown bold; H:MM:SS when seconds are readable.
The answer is **6:55**
